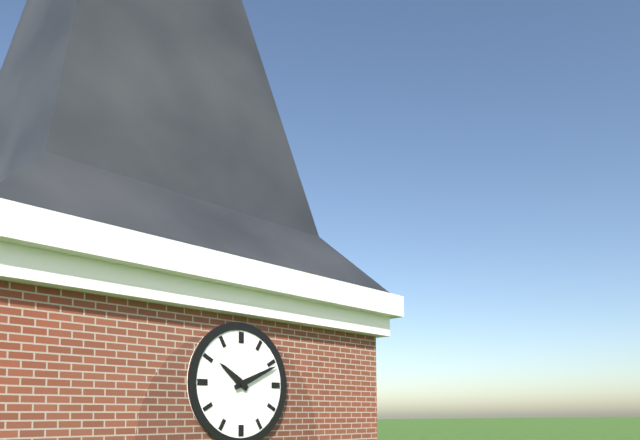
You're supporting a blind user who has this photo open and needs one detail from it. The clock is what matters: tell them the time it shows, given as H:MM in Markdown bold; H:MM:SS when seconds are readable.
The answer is **10:11**
